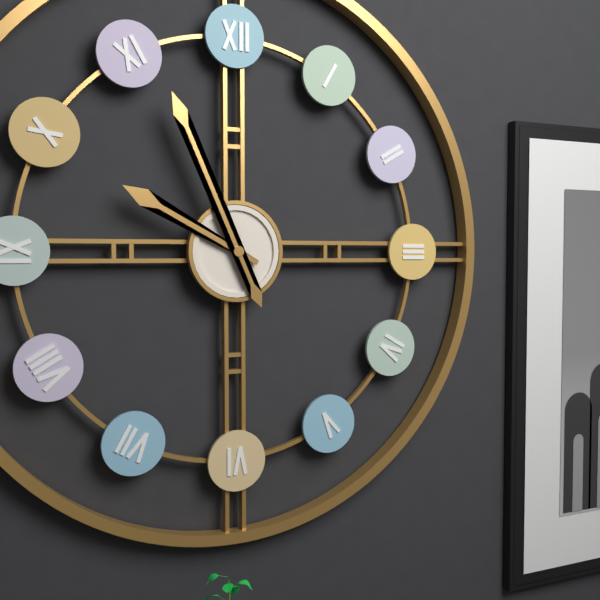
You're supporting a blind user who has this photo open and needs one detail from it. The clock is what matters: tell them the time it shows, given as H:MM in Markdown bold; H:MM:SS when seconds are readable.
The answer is **9:56**
